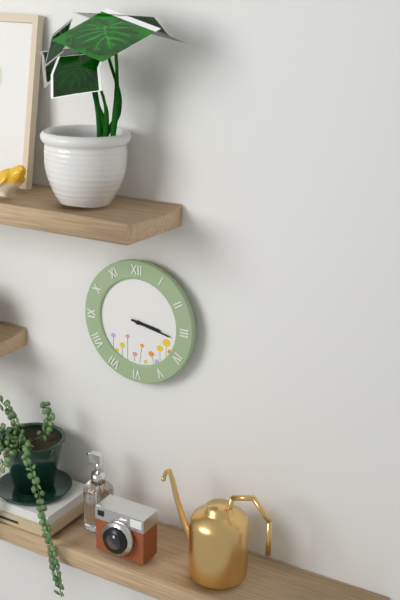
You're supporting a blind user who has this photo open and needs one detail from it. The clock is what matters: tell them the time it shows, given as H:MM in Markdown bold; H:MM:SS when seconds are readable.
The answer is **3:17**
